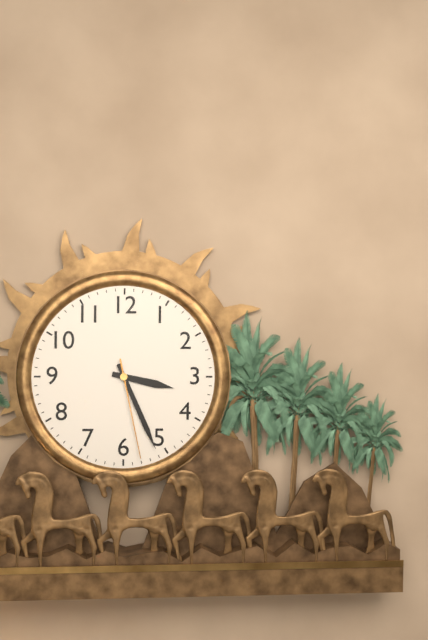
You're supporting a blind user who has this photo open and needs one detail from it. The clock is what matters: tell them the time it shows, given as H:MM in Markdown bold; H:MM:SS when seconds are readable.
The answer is **3:26:28**
